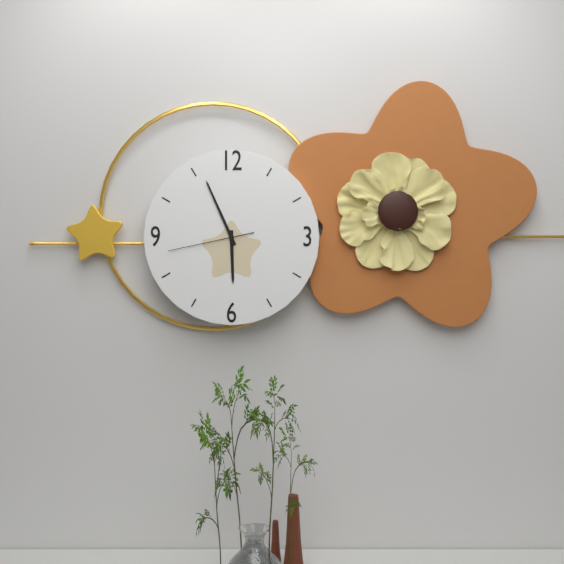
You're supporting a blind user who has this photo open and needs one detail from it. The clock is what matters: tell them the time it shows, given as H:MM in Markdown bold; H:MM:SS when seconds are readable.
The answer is **5:56:43**
